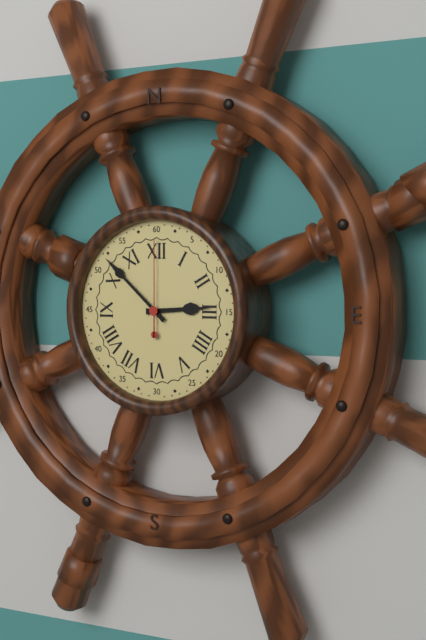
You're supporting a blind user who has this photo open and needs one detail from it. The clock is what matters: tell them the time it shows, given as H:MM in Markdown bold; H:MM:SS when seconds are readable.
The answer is **2:52:00**
